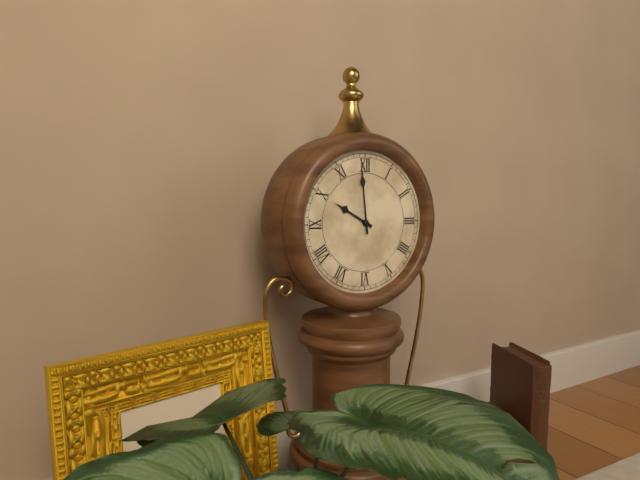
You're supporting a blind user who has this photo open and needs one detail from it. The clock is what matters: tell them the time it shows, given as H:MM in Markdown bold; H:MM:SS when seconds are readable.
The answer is **9:59**
